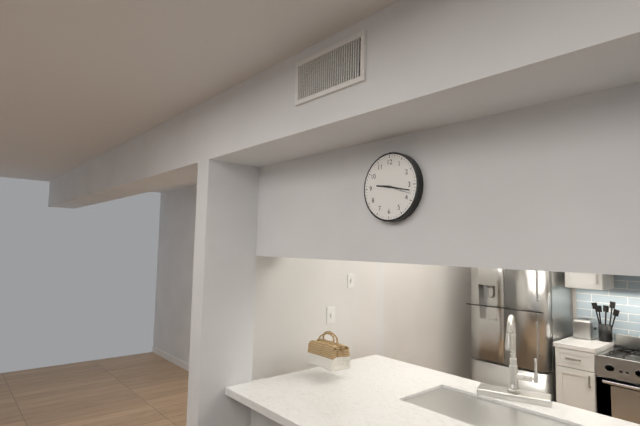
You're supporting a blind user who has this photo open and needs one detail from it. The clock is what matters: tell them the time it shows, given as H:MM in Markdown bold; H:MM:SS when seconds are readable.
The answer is **9:17**
